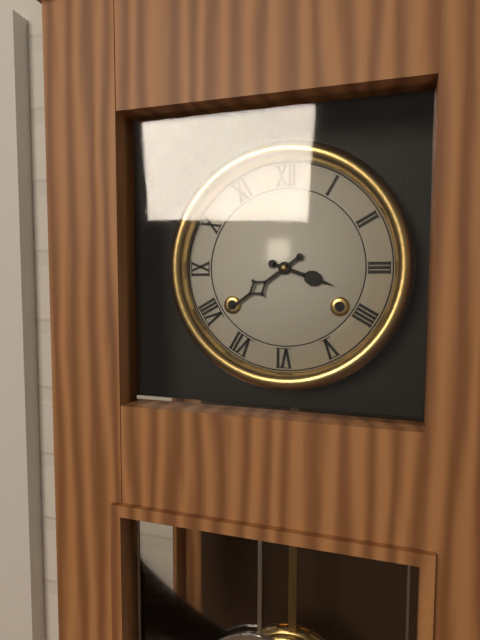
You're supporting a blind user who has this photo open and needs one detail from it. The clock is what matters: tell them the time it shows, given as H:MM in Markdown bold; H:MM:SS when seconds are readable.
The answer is **3:39**
